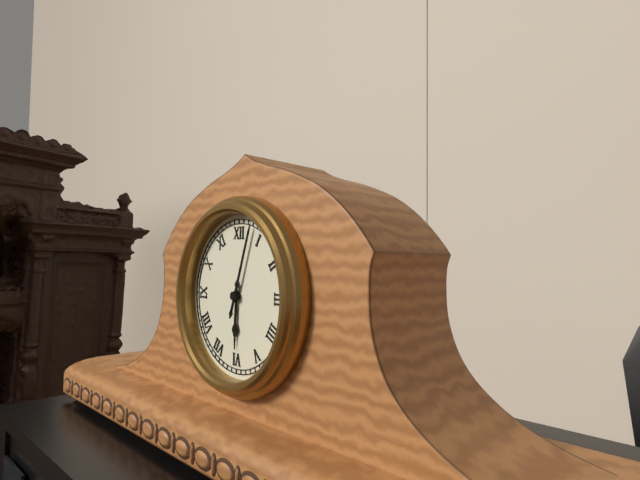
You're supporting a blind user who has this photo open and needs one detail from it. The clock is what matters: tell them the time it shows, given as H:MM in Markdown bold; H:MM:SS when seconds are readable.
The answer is **6:03**
